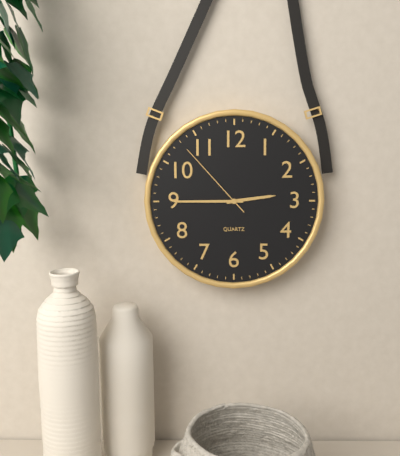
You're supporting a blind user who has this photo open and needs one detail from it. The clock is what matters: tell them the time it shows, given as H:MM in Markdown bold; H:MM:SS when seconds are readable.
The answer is **2:45:53**
